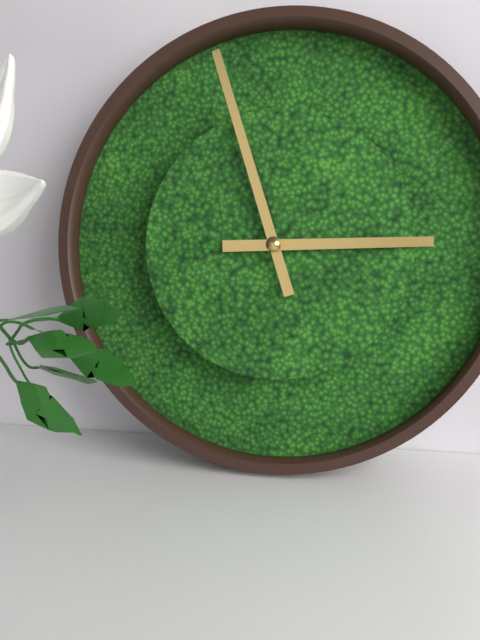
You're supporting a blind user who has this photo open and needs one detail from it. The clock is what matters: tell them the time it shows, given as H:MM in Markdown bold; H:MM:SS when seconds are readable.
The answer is **2:57**
